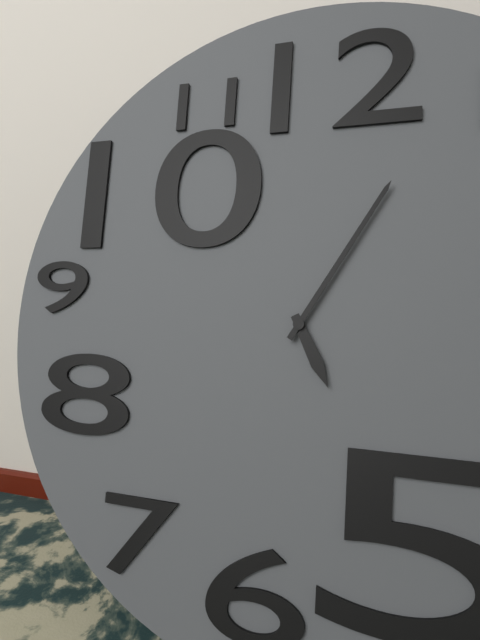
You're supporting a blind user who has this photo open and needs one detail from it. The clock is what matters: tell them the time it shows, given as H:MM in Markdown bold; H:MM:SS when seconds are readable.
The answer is **5:05**
